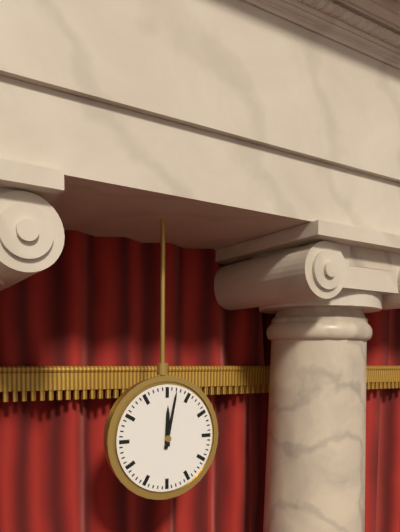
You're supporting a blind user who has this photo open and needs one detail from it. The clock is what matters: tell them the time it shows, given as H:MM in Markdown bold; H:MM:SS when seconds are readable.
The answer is **12:02**
